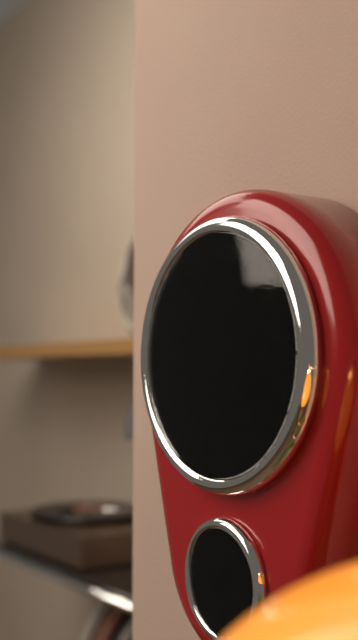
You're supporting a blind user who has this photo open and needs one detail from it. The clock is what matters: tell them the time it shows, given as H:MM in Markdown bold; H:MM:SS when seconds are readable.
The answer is **5:15:57**
